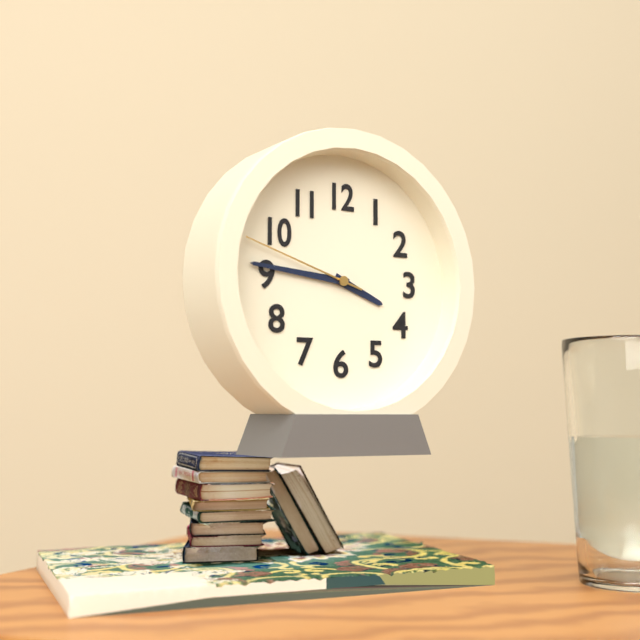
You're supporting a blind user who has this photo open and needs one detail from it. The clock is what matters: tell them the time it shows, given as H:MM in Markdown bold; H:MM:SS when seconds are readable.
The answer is **3:46:48**
